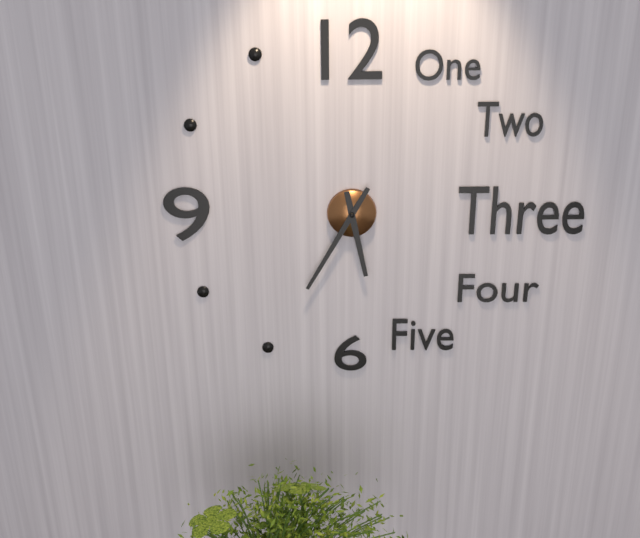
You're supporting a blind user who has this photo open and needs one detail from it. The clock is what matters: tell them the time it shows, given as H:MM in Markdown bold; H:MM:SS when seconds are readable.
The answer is **5:35**
